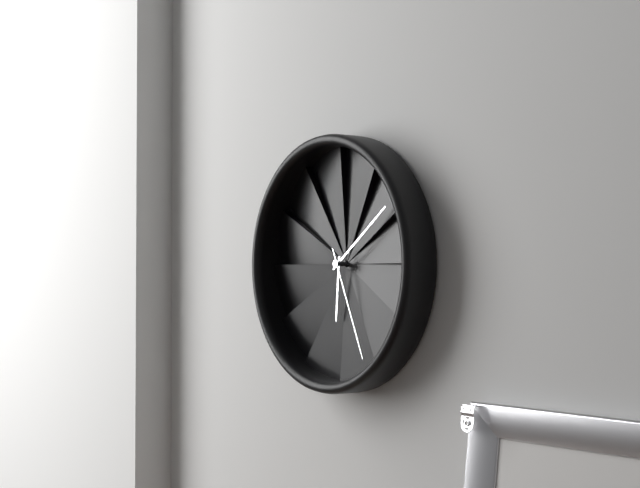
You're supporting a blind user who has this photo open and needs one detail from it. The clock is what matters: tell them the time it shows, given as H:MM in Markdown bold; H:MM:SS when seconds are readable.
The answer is **6:09:26**
